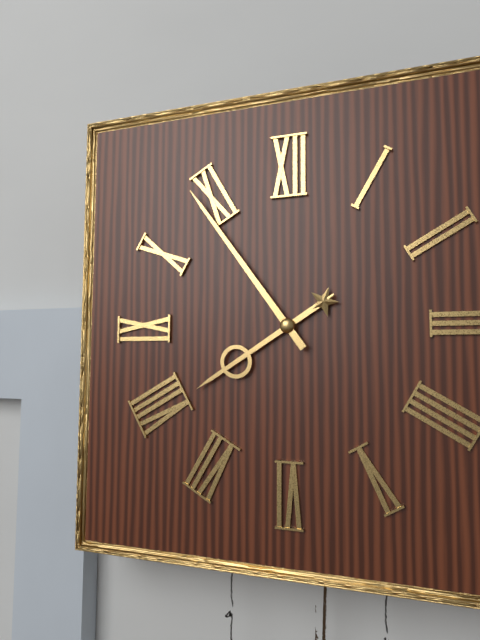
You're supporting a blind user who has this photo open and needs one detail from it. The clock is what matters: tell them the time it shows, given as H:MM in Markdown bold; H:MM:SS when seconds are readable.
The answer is **7:54**
